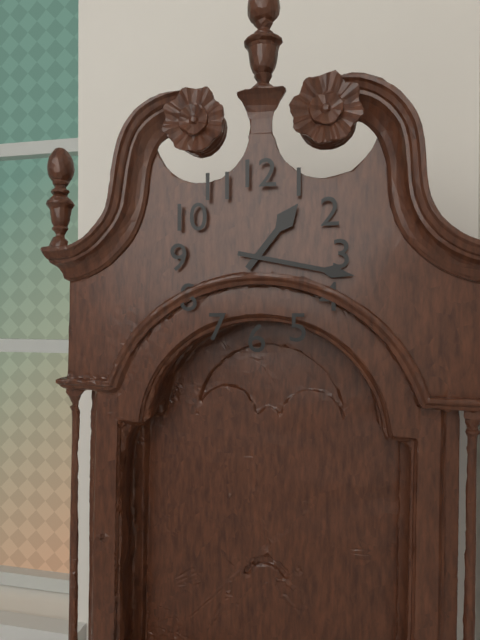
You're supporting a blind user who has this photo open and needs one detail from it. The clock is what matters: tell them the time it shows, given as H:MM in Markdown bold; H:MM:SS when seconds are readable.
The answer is **1:17**
